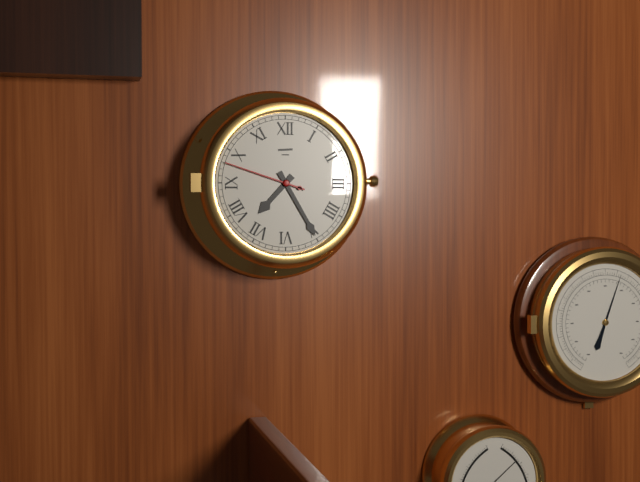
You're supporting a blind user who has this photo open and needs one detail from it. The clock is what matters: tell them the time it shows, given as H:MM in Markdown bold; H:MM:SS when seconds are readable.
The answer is **7:25:48**
